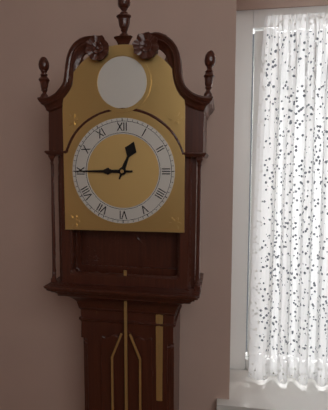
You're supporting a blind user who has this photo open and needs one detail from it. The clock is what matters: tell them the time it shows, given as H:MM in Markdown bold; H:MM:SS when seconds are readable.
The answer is **12:45**
